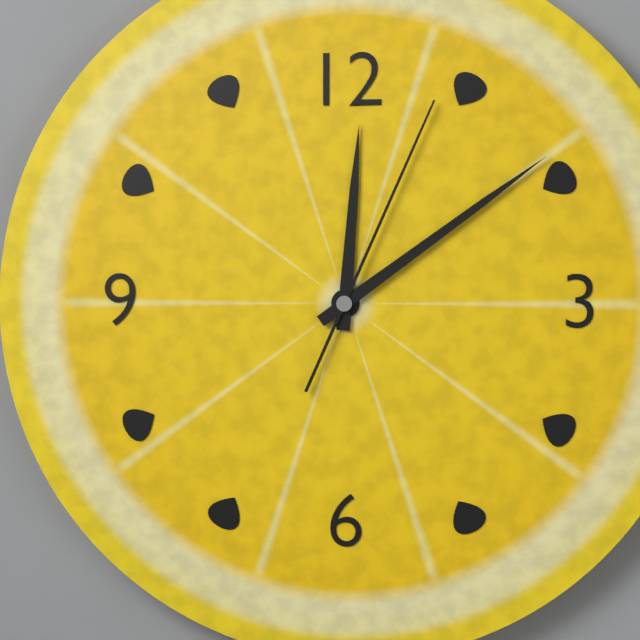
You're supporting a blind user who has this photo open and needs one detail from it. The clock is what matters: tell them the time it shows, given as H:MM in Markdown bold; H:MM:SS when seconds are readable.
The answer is **12:09:04**
